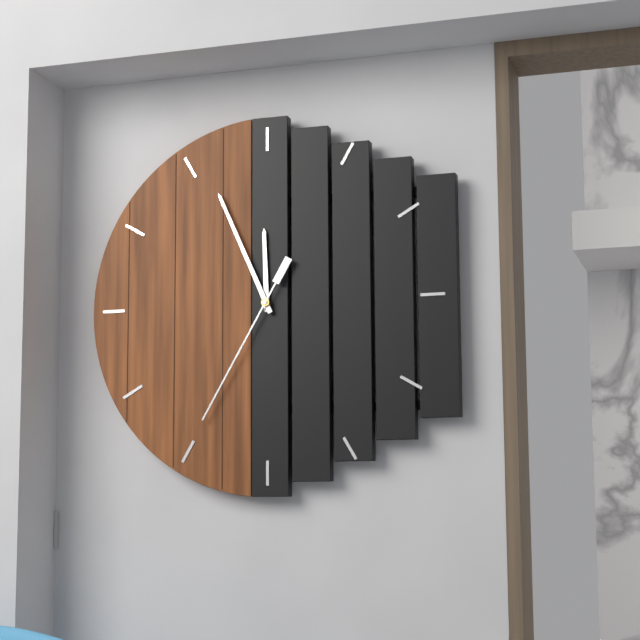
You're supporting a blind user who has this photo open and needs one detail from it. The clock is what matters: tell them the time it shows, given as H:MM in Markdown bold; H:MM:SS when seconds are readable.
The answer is **11:56:35**
